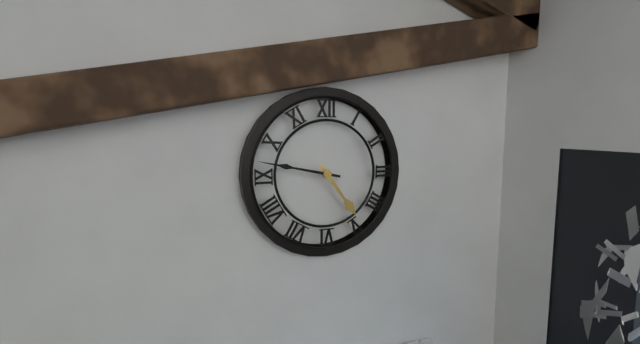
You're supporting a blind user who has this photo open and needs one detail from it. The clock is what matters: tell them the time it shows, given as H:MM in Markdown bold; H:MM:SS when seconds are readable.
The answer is **4:47**
